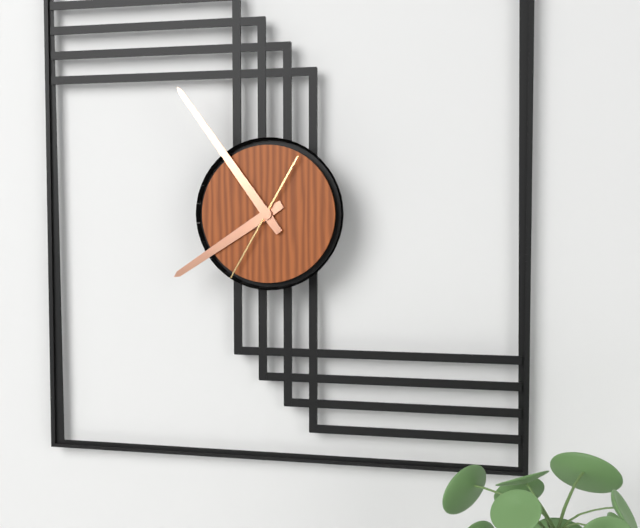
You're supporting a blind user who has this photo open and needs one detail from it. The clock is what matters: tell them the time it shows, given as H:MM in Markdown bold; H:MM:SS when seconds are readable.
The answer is **7:54:35**
